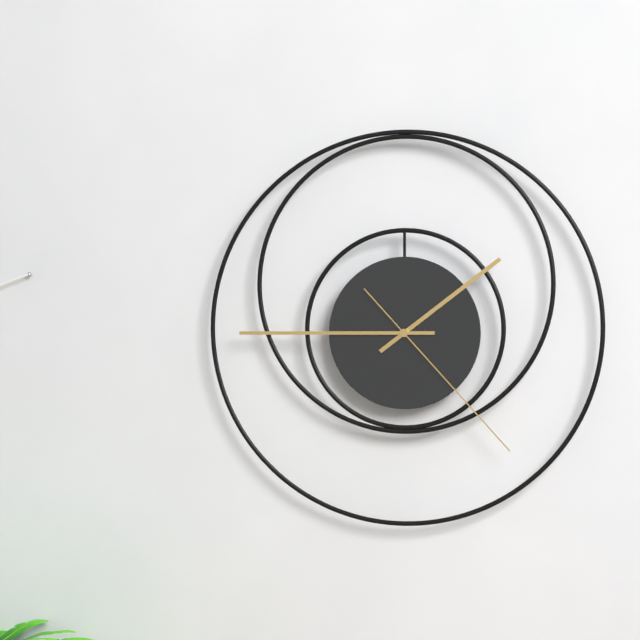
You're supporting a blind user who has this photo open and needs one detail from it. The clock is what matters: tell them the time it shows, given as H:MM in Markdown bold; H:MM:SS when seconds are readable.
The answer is **1:45:23**
